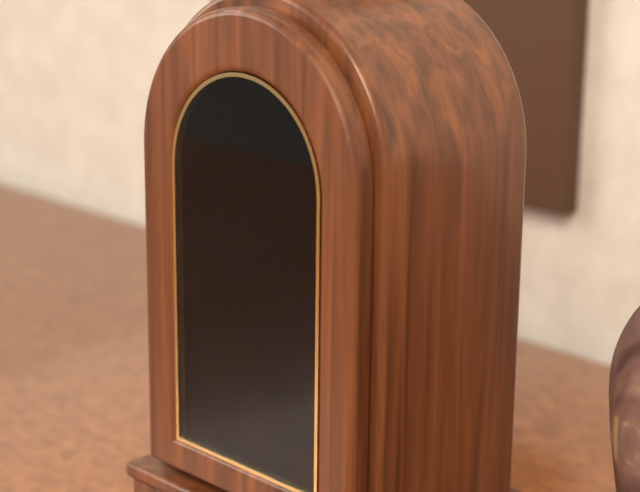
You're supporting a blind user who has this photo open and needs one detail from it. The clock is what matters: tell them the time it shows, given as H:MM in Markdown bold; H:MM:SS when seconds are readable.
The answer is **5:21**
